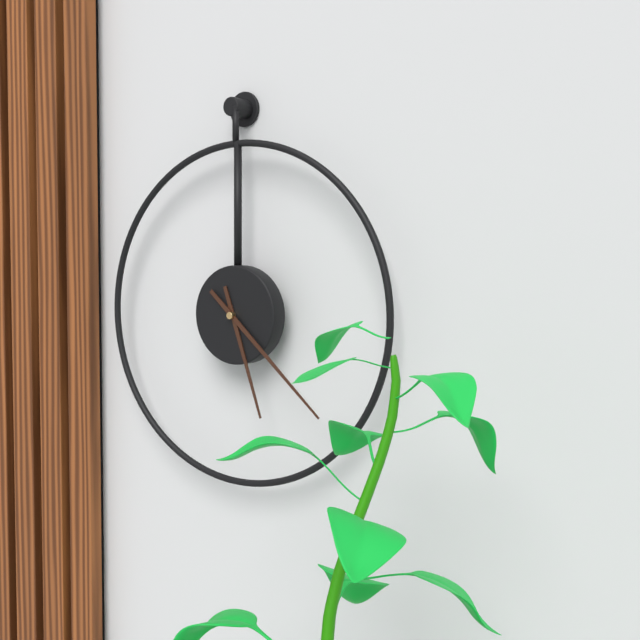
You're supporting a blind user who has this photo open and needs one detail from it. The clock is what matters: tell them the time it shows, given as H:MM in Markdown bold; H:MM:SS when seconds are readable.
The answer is **5:22**
